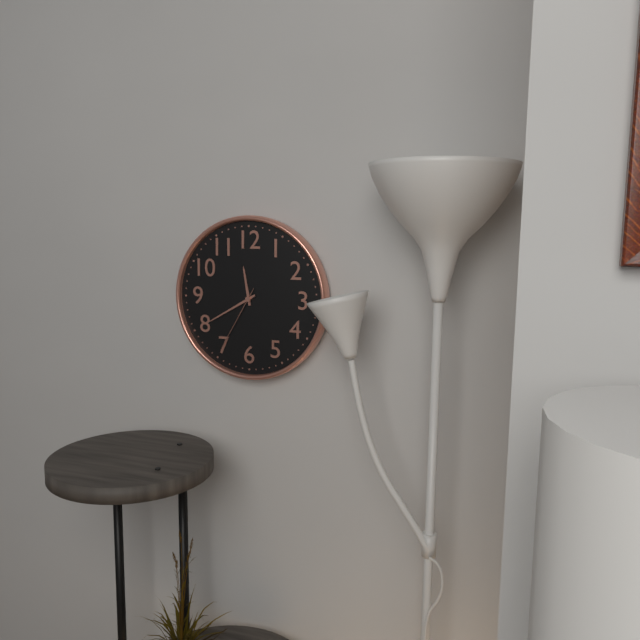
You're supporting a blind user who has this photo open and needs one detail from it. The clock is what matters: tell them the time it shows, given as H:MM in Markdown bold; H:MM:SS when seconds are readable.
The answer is **11:40:35**
